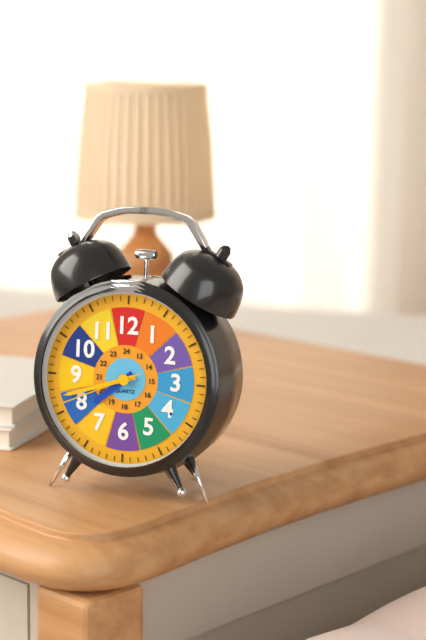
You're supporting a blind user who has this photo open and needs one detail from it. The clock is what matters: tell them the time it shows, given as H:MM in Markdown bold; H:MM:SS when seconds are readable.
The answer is **7:42:41**
